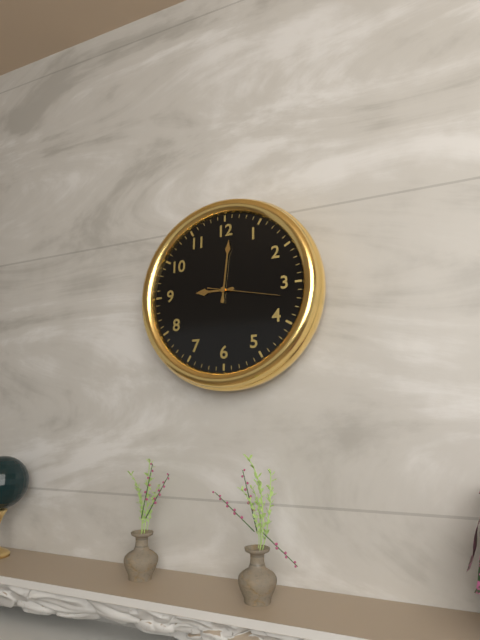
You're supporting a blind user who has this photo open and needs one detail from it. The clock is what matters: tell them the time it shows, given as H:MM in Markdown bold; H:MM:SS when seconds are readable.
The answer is **9:01:17**
